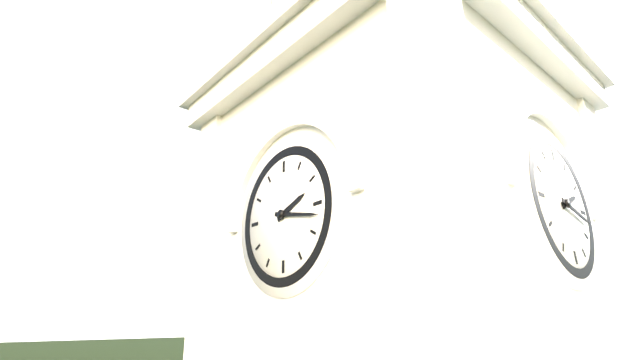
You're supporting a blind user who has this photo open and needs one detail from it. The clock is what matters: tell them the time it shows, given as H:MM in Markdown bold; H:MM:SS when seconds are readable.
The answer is **2:17**
